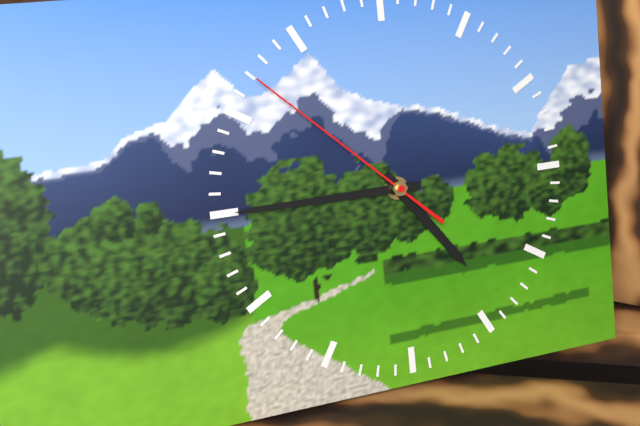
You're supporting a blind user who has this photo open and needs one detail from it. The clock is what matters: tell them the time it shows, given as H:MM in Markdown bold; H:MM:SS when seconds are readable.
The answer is **4:45:52**
